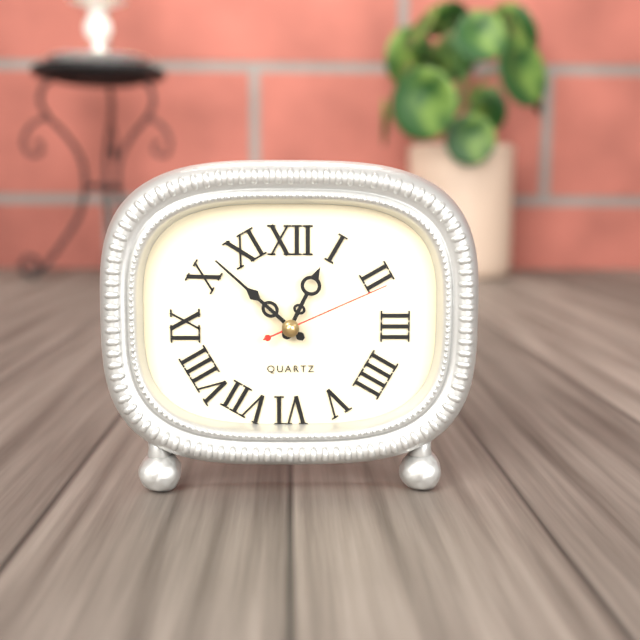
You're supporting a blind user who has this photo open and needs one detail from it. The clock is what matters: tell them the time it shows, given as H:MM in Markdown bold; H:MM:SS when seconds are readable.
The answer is **12:52:11**
